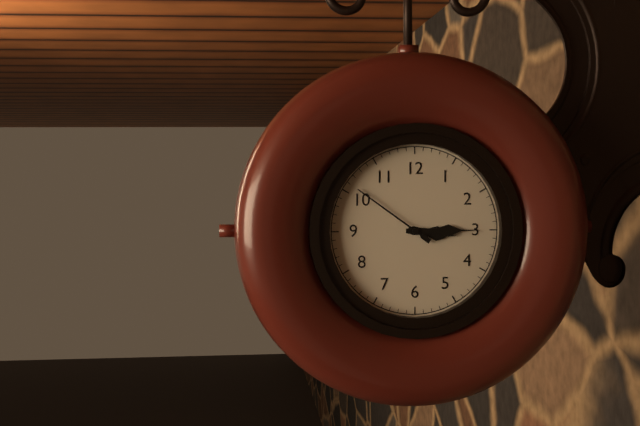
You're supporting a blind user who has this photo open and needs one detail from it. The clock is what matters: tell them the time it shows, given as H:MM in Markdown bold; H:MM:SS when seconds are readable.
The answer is **3:15:51**
